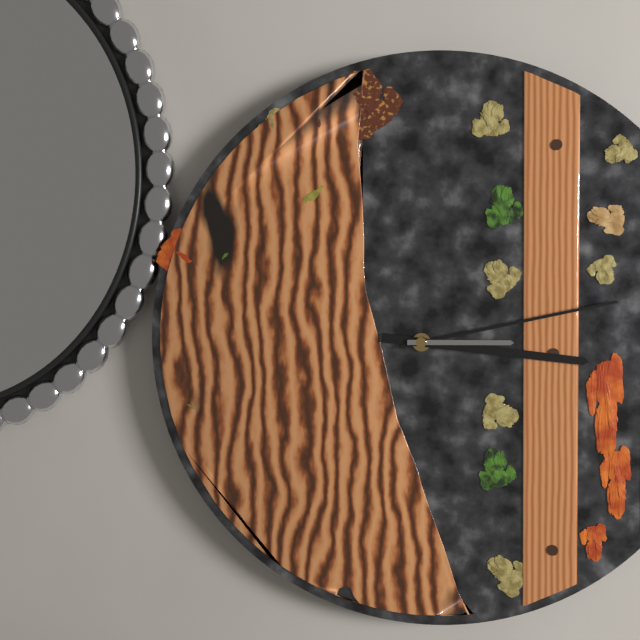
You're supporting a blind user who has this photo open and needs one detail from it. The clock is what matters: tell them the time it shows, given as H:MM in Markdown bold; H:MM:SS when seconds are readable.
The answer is **3:13:15**
